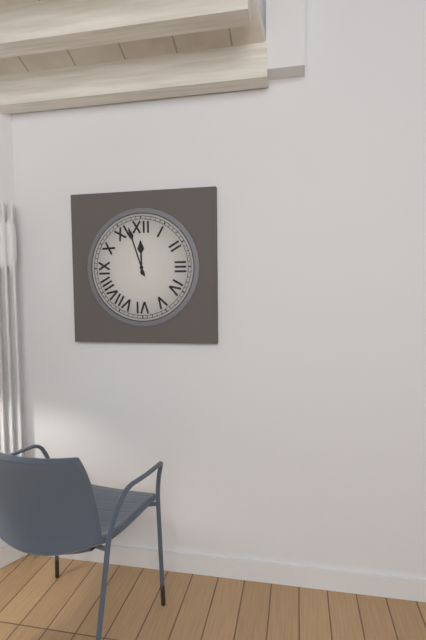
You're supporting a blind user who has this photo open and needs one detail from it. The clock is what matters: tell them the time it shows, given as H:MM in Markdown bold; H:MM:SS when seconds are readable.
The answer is **11:57**
